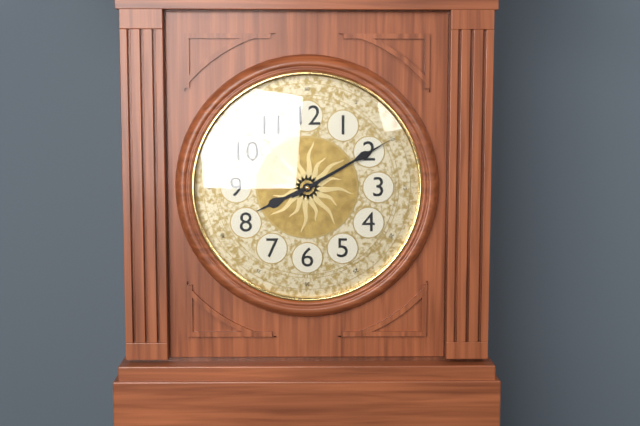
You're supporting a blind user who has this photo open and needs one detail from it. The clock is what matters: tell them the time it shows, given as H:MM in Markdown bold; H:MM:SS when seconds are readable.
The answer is **8:10**
